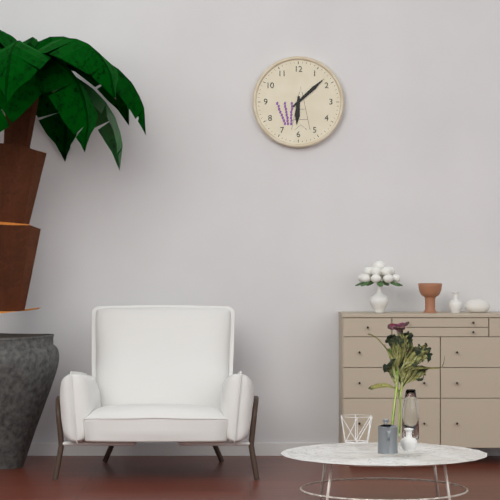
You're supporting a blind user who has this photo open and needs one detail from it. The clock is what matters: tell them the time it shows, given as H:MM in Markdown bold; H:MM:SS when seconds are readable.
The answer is **6:08**
